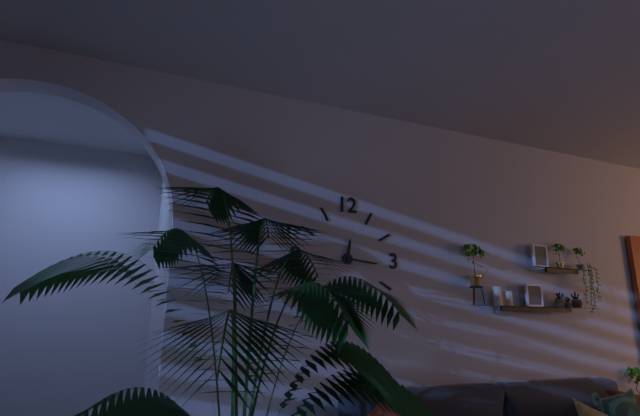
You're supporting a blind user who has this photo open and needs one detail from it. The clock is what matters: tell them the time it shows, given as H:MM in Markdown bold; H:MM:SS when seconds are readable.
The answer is **12:16**
